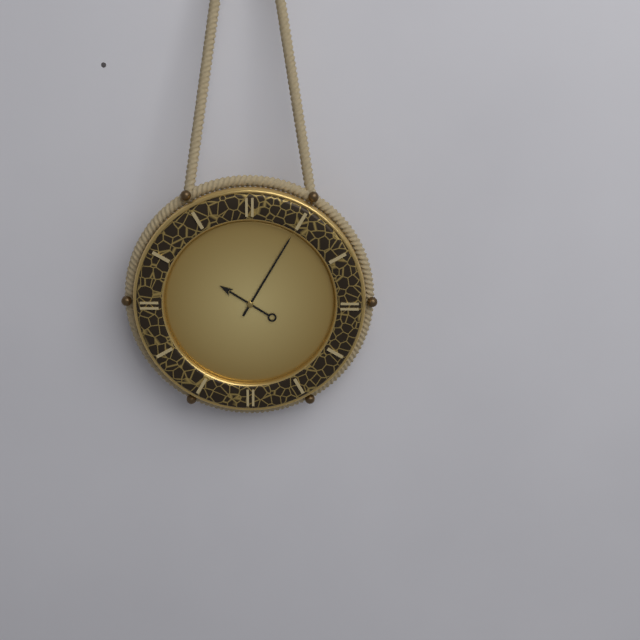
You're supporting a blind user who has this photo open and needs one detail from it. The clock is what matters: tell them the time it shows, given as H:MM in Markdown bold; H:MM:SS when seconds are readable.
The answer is **10:05**
